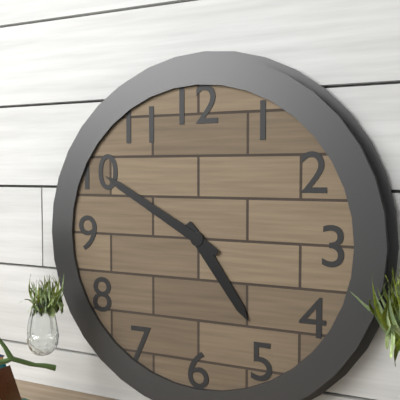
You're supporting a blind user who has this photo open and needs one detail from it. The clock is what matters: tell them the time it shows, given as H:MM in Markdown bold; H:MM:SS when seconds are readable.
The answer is **4:50**
